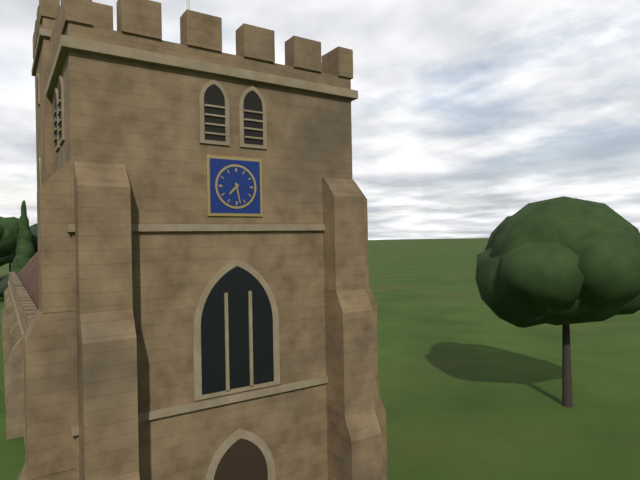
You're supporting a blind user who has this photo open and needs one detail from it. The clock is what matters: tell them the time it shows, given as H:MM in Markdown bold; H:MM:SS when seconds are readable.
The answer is **7:28**
